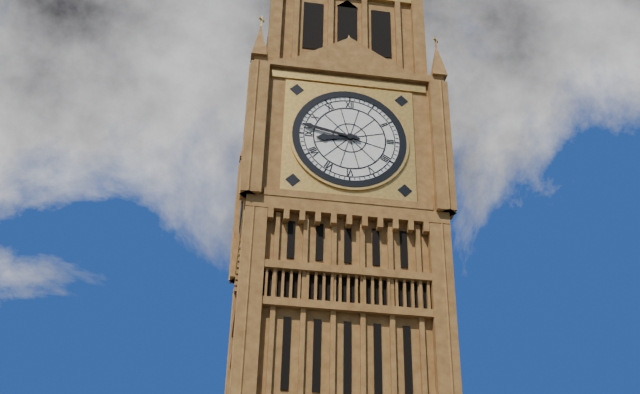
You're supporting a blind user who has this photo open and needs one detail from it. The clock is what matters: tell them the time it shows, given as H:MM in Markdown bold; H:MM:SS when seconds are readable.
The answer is **8:47**
